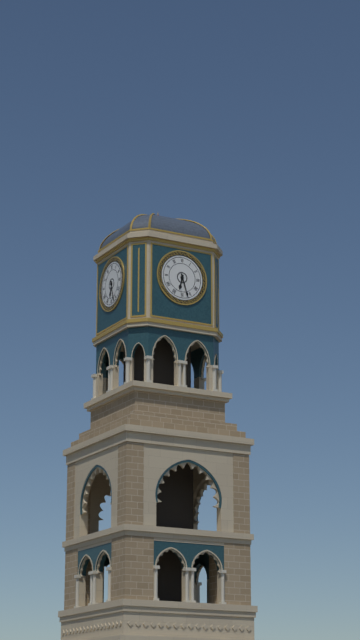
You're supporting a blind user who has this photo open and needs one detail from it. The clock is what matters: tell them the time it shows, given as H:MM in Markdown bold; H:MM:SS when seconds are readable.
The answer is **6:27**
